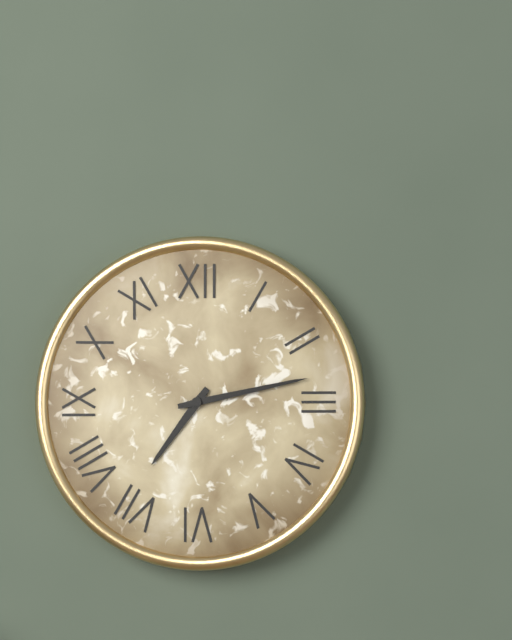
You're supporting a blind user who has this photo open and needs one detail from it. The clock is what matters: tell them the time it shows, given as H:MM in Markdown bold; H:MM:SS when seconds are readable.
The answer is **7:13**
